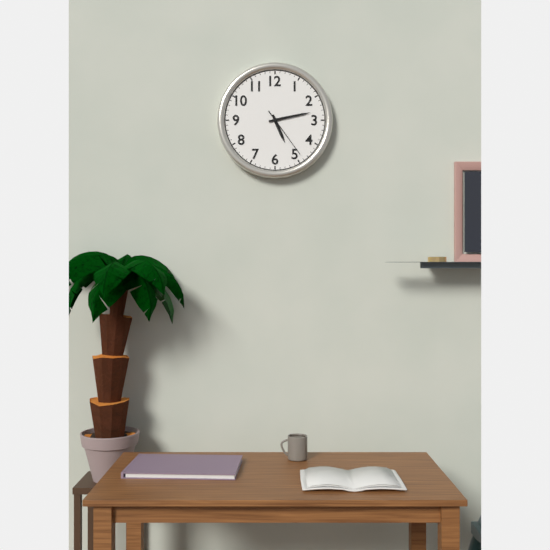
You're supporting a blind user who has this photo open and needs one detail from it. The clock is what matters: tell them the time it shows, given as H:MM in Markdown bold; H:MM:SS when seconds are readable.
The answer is **5:13:24**
